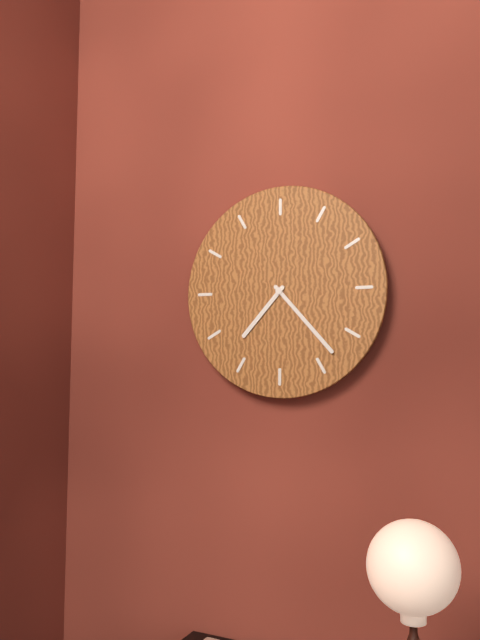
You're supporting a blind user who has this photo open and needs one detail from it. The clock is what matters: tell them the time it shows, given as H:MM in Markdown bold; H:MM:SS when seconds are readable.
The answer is **7:23**
